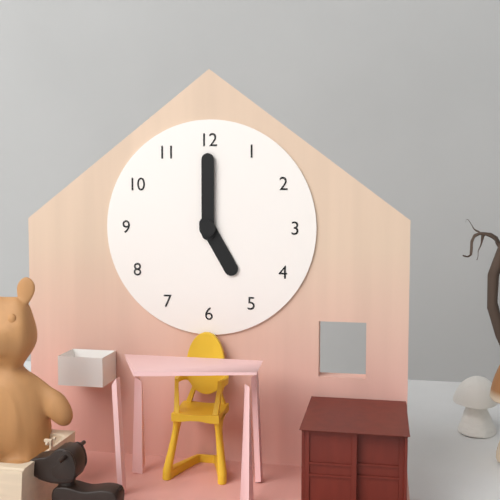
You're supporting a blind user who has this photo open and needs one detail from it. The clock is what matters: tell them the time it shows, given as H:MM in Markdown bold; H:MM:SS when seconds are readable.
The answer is **5:00**
